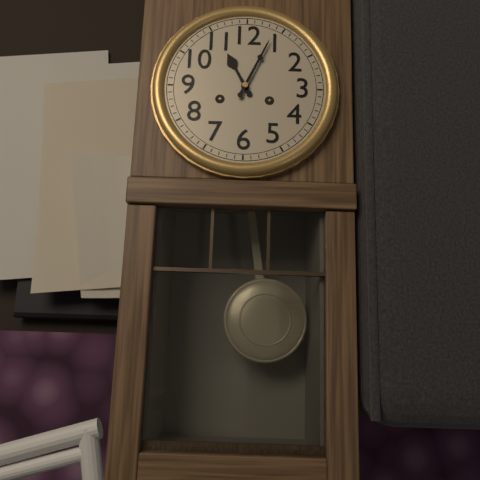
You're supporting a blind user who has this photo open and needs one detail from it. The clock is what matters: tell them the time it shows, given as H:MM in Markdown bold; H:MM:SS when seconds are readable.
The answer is **11:04**
